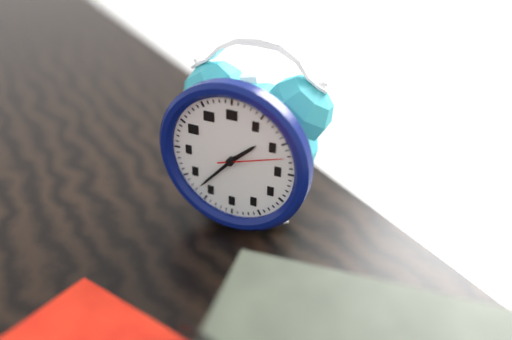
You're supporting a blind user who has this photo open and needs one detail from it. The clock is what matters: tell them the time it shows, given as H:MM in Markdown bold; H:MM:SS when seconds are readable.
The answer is **1:37:12**
